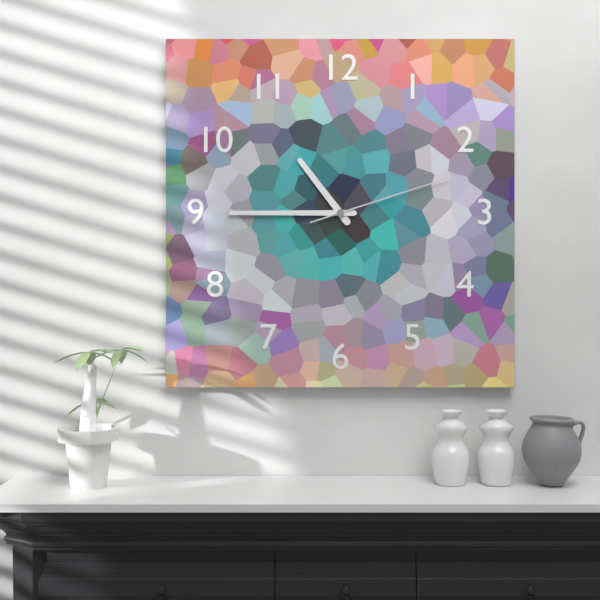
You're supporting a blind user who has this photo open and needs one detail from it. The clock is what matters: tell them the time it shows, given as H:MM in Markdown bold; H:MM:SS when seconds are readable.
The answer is **10:45:12**
